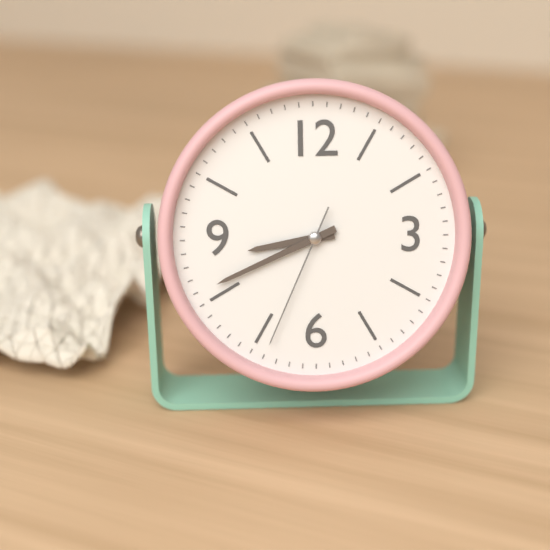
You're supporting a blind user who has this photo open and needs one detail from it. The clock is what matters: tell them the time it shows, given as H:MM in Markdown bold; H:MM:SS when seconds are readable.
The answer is **8:41:34**
